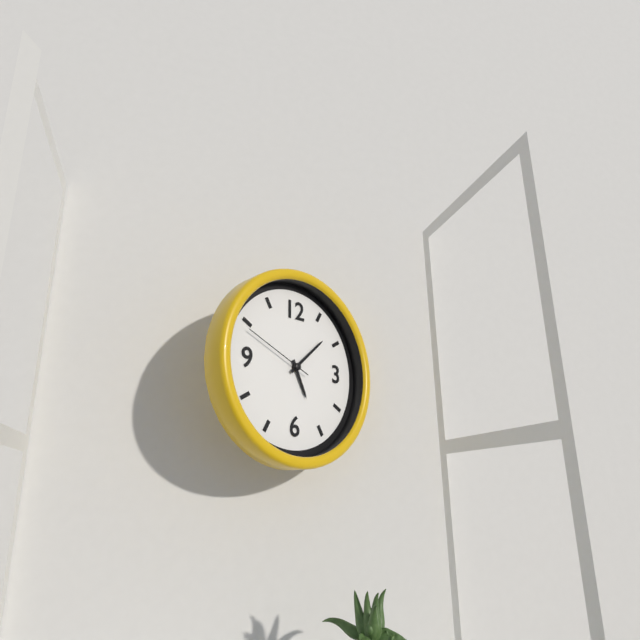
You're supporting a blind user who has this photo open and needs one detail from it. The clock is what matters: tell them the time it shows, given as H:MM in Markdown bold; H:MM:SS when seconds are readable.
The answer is **5:08:49**
